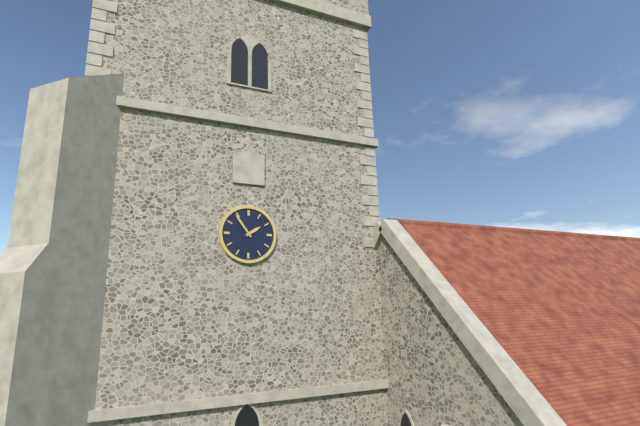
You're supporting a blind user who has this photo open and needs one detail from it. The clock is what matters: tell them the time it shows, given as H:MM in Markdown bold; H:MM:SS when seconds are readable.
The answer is **1:54**
